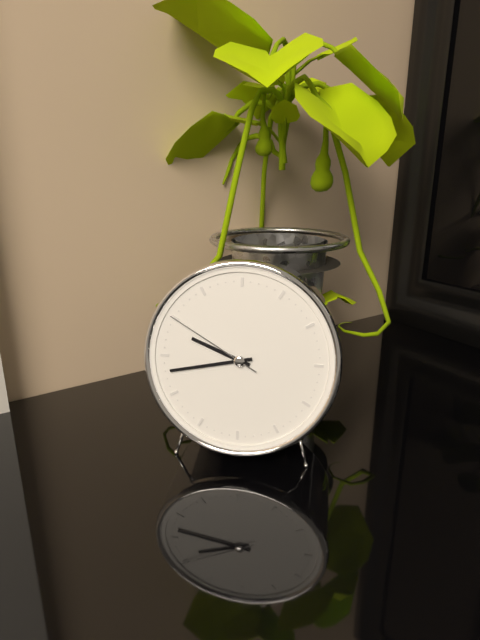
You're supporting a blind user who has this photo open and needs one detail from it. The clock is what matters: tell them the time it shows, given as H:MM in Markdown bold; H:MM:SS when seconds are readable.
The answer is **9:43:50**
